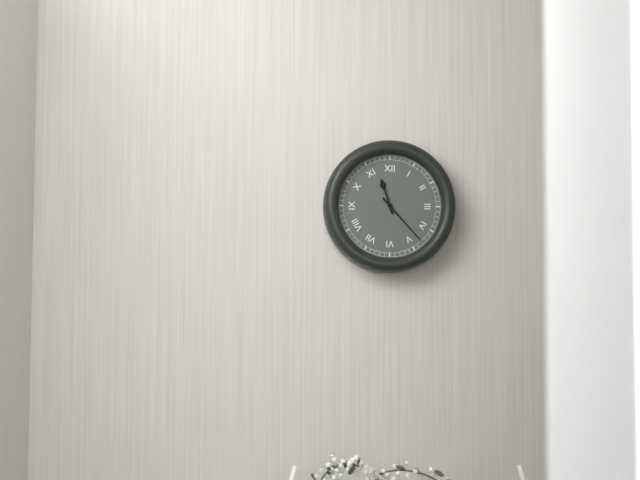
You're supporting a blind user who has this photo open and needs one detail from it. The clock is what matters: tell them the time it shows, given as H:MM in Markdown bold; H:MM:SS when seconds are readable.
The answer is **11:23**
